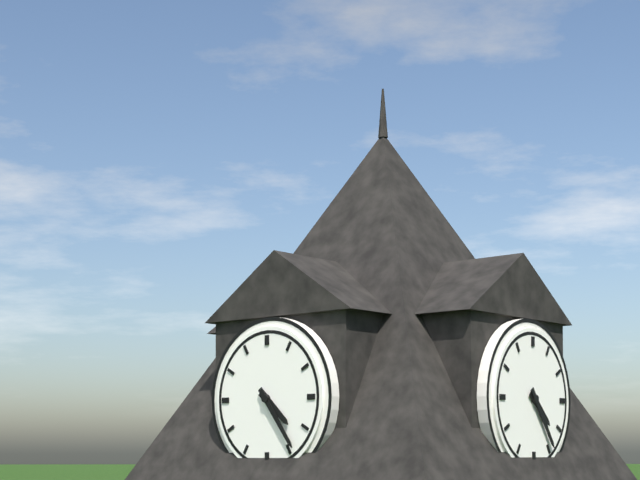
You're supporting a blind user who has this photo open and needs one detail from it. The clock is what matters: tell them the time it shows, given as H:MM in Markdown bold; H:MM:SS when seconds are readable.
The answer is **4:24**
